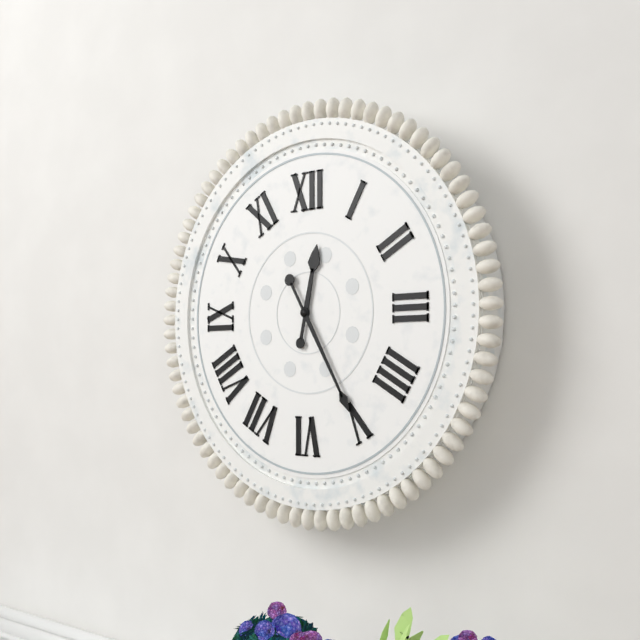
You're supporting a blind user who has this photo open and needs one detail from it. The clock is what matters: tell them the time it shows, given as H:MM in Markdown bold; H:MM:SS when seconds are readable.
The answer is **12:25**
